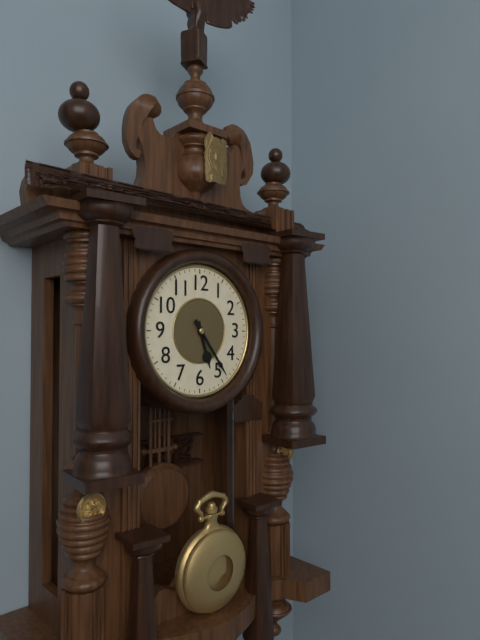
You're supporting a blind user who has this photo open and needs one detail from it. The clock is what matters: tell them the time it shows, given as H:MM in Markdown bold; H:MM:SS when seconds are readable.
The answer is **5:24**
